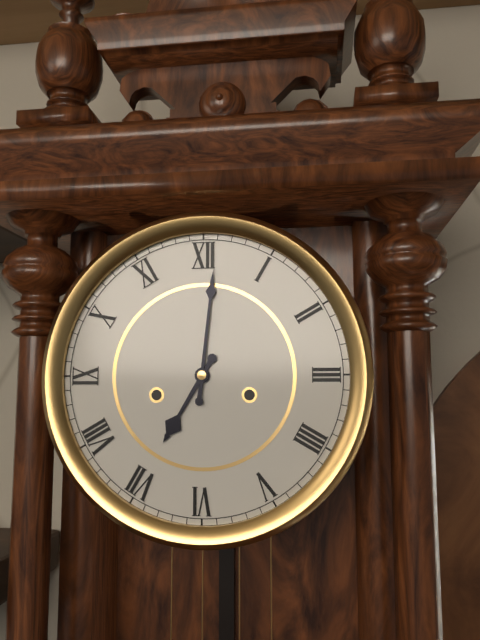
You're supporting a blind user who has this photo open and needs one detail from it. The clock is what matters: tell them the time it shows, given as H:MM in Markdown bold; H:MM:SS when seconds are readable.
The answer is **7:01**
